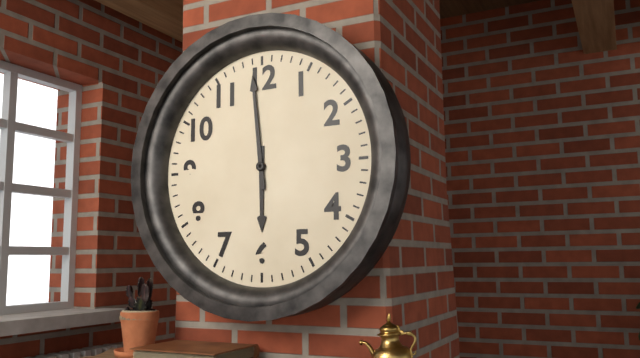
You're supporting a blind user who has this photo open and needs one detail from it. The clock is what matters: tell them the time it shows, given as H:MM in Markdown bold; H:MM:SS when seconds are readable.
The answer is **5:59**
